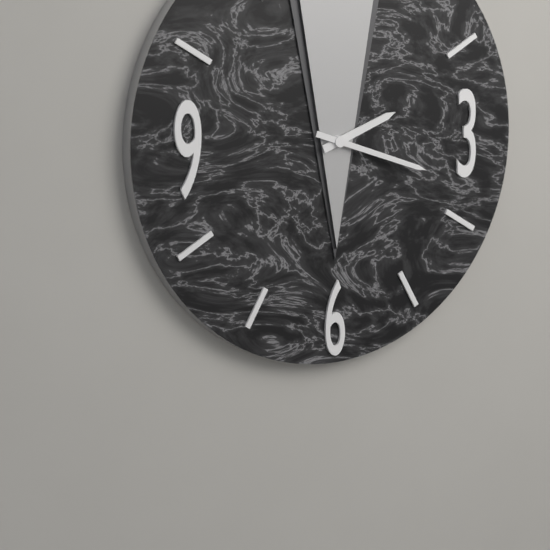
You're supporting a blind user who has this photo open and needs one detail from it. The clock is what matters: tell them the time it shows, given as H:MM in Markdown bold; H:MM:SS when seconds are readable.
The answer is **2:18**
